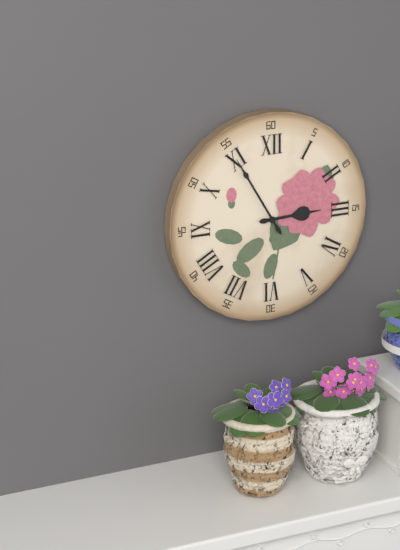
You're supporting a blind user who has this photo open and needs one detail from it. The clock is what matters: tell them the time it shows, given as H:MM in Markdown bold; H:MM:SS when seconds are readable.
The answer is **2:55**
